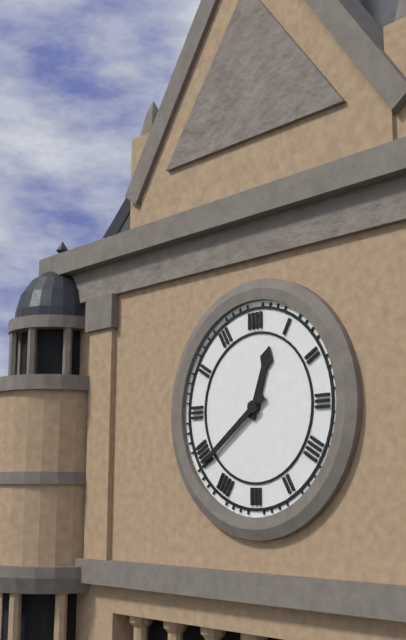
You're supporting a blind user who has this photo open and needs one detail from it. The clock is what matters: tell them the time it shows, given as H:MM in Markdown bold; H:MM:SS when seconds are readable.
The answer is **12:39**
